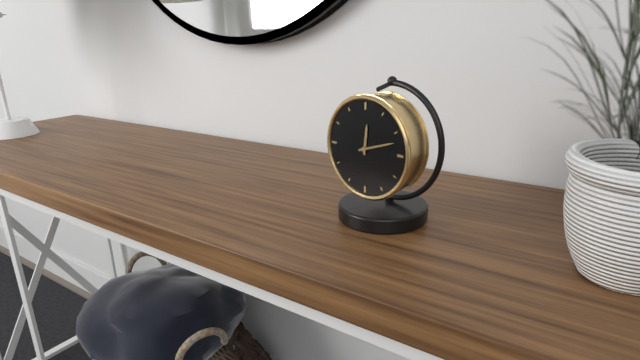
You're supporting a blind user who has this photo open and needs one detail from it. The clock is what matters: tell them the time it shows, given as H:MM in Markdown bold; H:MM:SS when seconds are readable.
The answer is **12:12**
